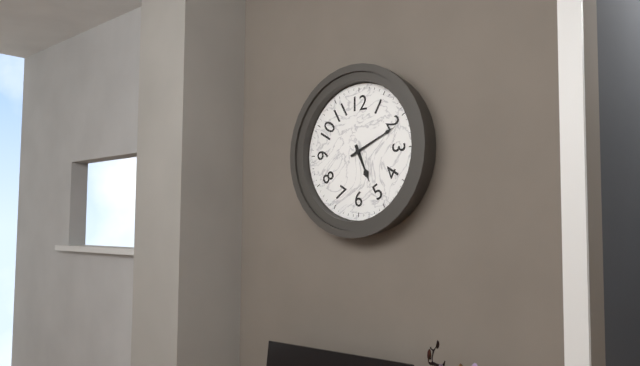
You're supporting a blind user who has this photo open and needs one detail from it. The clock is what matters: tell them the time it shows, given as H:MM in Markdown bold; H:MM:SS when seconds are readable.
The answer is **5:11**
